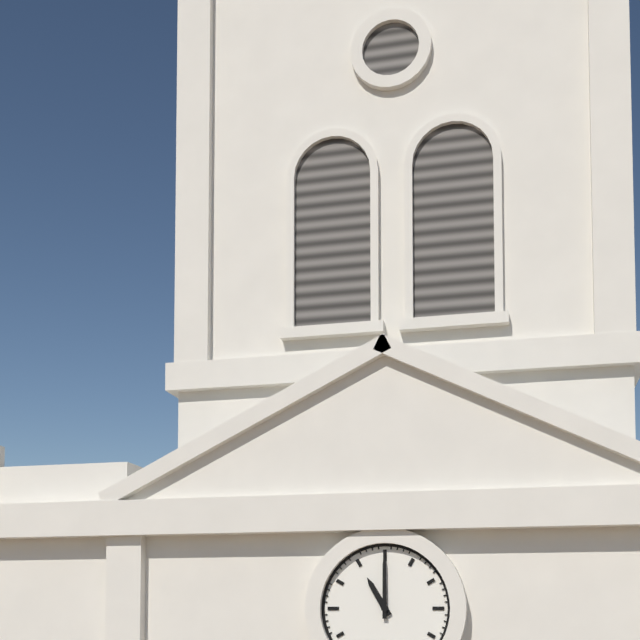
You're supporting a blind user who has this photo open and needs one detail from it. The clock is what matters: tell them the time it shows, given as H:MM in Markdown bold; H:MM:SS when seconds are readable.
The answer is **11:00**
